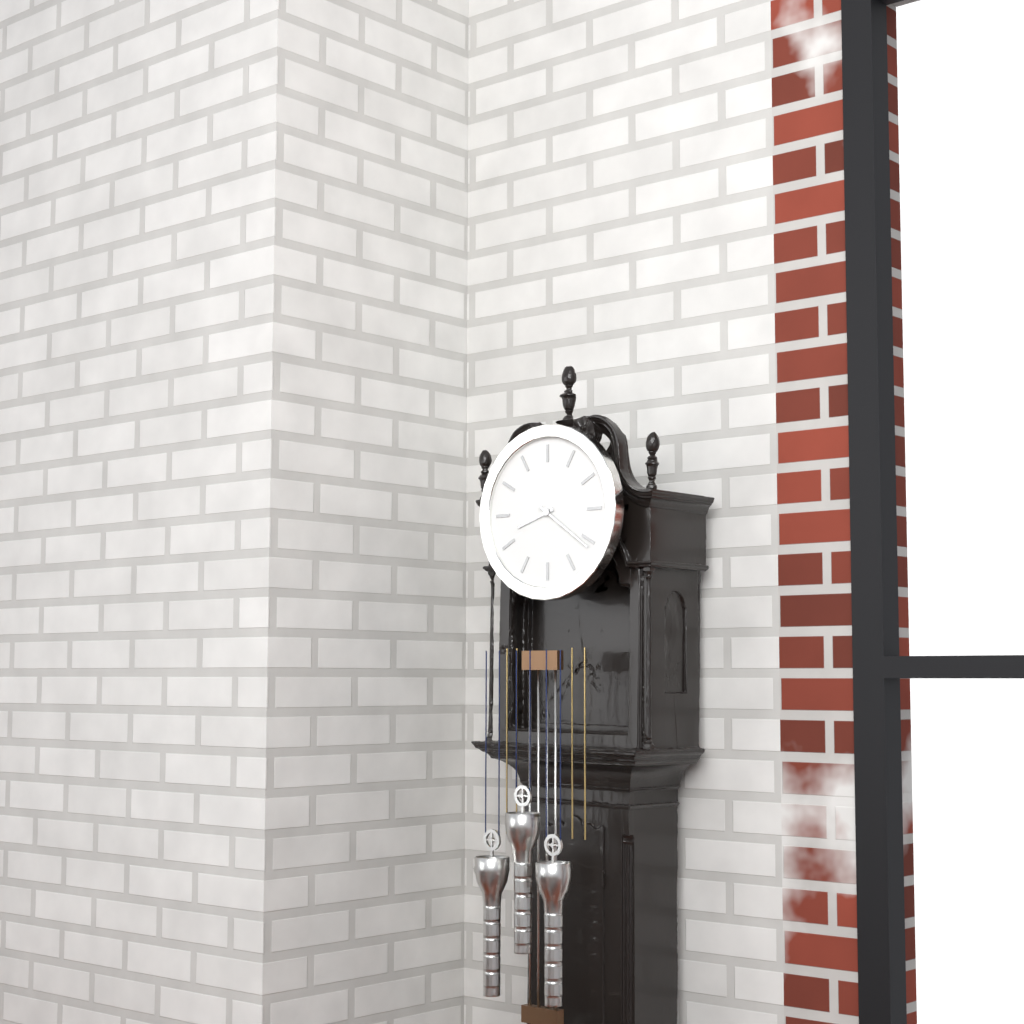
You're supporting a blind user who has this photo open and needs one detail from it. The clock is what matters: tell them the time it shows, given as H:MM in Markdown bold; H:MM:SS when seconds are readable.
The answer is **8:21**
